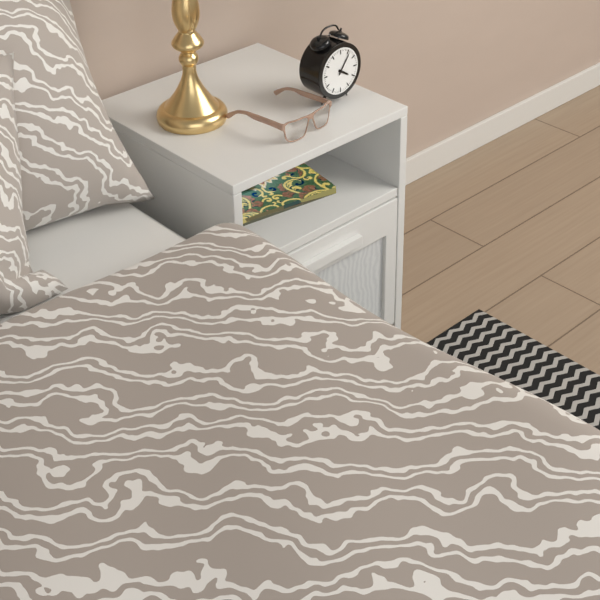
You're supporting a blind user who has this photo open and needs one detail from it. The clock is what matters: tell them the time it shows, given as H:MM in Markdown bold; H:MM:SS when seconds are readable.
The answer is **4:06**
